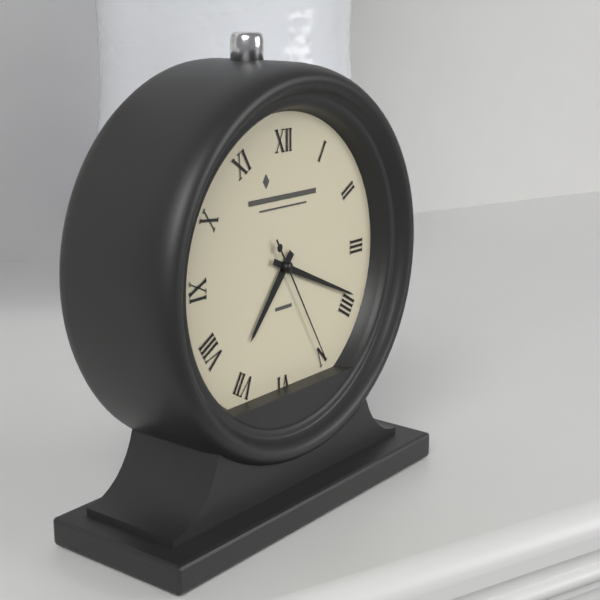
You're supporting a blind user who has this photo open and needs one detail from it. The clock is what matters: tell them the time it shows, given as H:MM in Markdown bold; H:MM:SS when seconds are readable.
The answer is **7:19:25**
